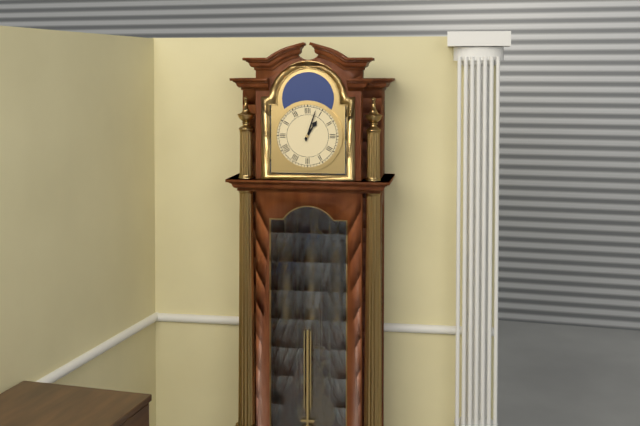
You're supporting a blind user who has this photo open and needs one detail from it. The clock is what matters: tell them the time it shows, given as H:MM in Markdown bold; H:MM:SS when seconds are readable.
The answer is **1:03**
